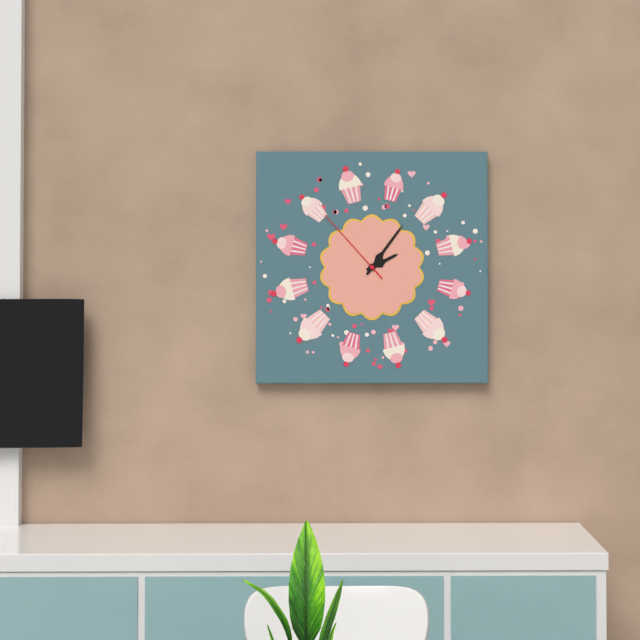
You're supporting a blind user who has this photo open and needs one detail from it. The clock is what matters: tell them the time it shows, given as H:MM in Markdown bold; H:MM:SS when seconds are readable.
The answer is **2:06:53**
